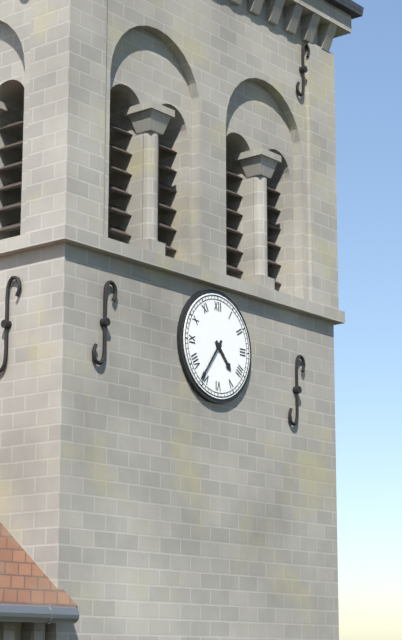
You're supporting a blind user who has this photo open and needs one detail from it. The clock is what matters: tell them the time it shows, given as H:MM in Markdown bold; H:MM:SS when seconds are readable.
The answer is **4:36**
